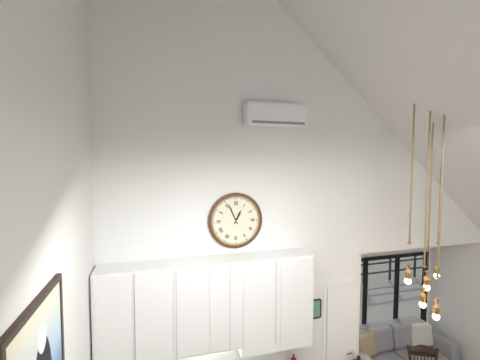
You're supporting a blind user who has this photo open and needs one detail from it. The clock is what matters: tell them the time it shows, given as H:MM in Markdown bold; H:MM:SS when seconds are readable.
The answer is **12:56**
